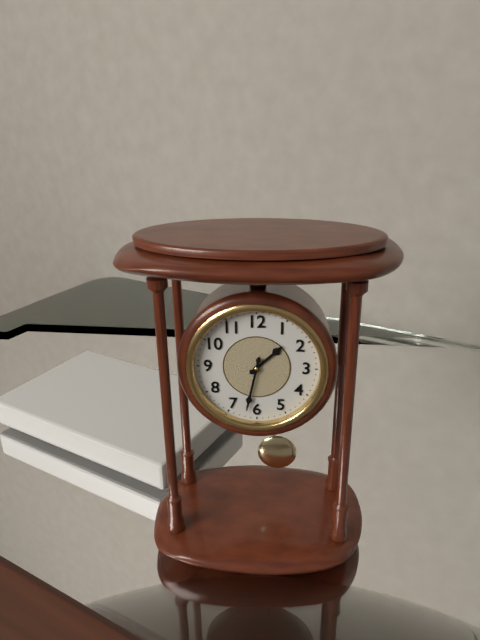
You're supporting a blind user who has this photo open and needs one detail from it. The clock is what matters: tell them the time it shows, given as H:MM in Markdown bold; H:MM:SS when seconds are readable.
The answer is **1:32**
